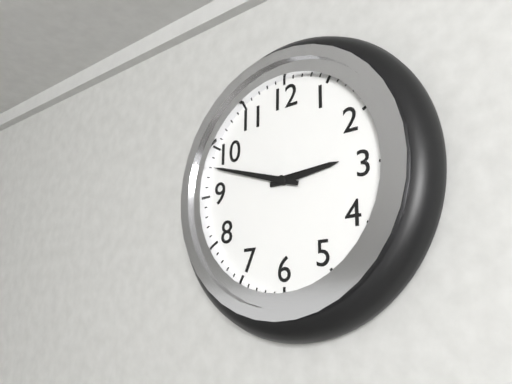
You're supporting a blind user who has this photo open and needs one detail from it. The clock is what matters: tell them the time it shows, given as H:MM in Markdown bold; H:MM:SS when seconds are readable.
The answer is **2:48**
